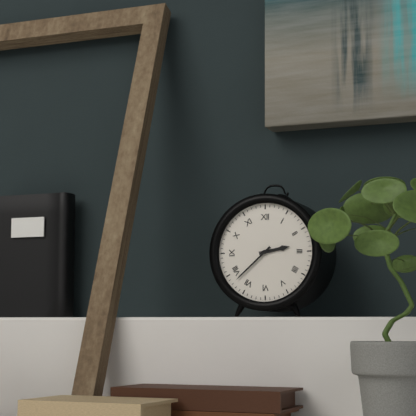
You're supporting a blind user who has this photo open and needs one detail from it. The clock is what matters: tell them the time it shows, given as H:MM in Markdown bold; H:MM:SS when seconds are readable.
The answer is **2:38**
